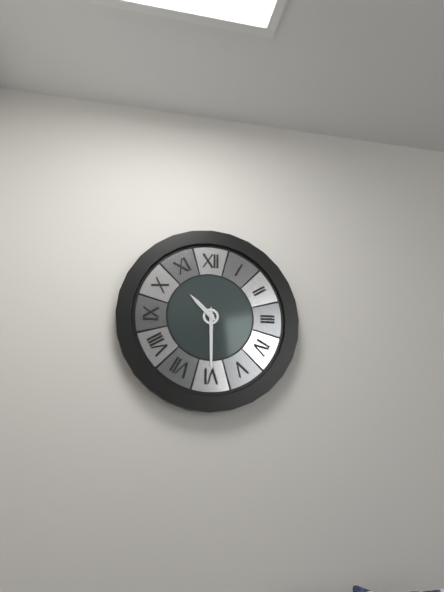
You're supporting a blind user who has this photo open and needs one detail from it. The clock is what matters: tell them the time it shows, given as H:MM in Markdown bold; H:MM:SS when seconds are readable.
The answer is **10:30**
